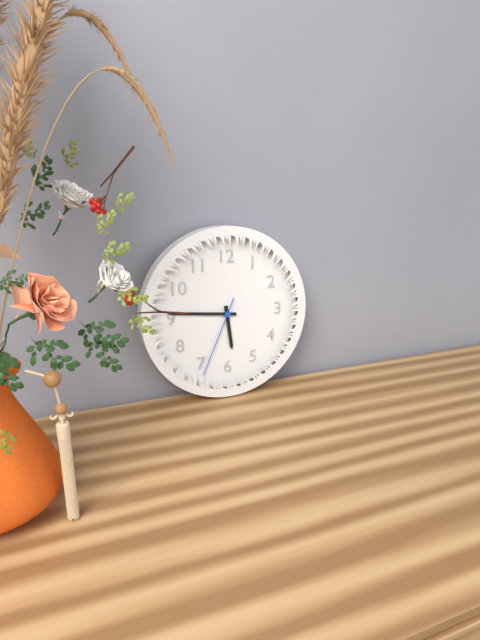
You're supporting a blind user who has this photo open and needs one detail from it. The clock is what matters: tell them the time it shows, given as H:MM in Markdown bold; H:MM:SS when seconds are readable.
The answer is **5:46:34**
